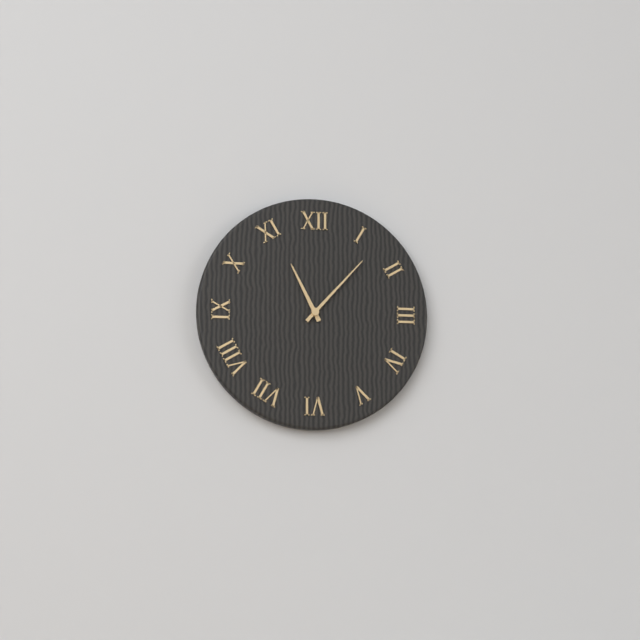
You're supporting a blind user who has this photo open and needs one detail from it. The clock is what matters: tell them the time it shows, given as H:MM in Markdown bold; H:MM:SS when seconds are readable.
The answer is **11:07**
